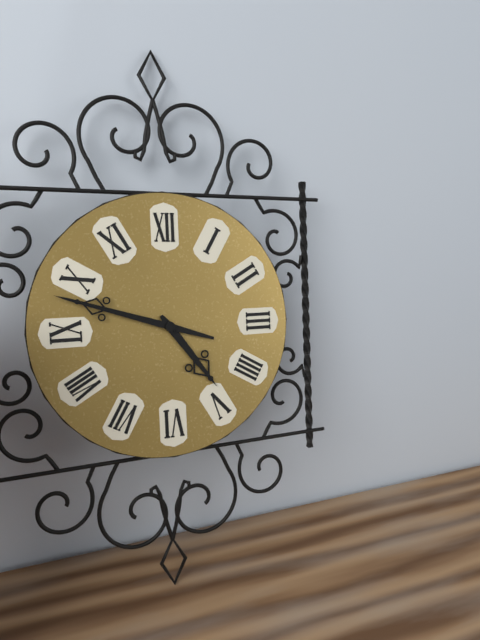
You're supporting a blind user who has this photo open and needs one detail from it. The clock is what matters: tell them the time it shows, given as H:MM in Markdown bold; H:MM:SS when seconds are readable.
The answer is **4:48**
